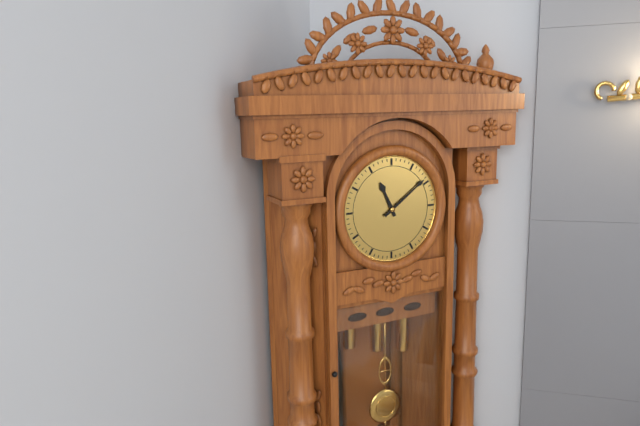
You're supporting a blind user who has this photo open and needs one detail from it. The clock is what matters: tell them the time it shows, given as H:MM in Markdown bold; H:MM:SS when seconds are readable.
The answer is **11:09**
